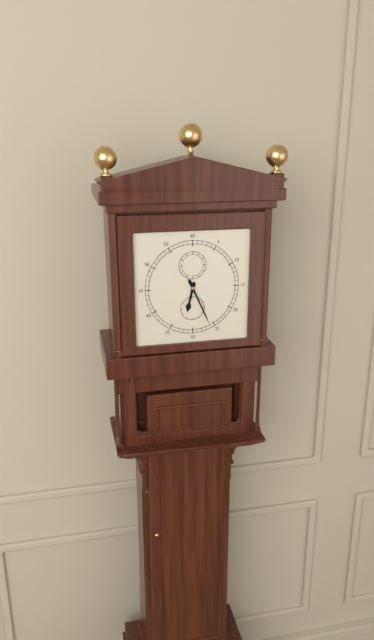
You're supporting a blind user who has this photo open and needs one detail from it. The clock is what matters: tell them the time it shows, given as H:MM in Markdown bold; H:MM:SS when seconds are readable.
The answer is **6:26**
